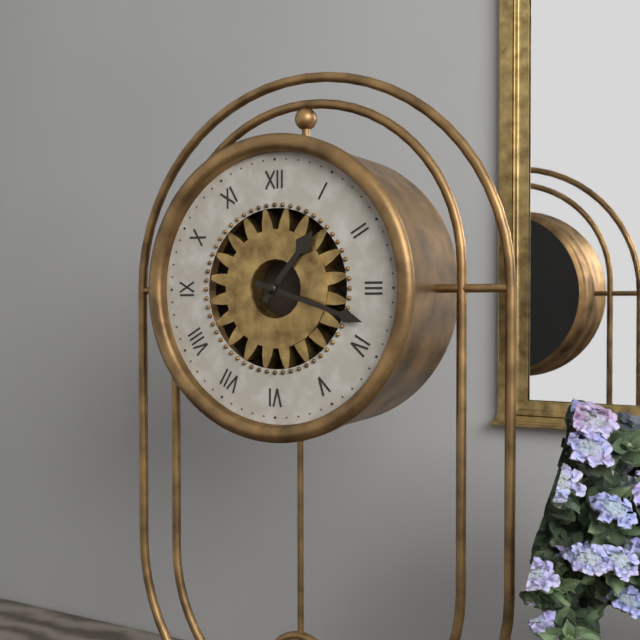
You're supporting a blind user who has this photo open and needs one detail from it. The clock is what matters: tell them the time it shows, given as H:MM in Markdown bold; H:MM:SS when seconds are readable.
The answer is **1:18**
